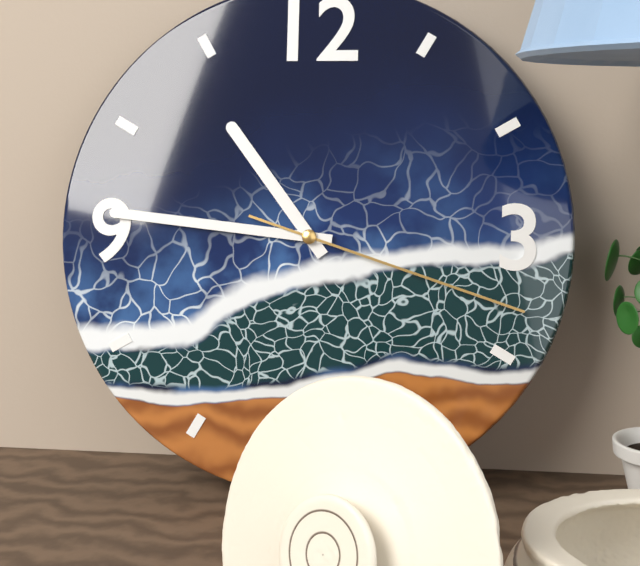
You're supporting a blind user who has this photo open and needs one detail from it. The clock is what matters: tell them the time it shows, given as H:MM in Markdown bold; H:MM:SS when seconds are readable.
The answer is **10:46:18**
